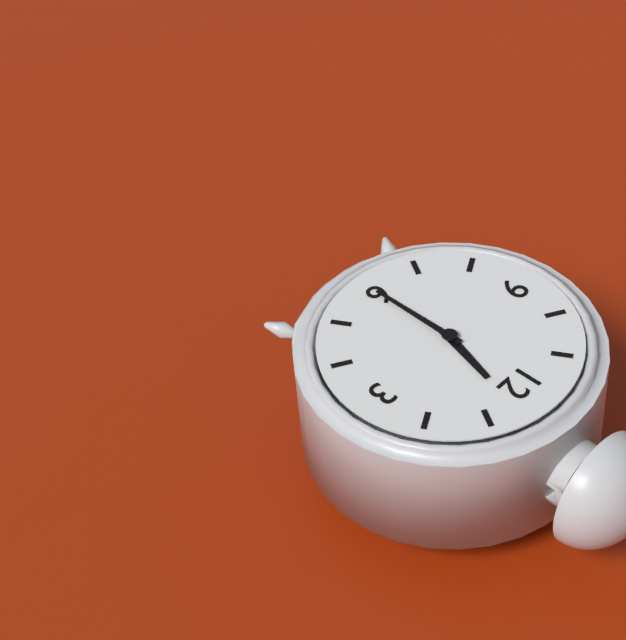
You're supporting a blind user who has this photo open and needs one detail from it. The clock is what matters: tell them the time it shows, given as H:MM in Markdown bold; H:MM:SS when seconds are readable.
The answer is **12:30**
